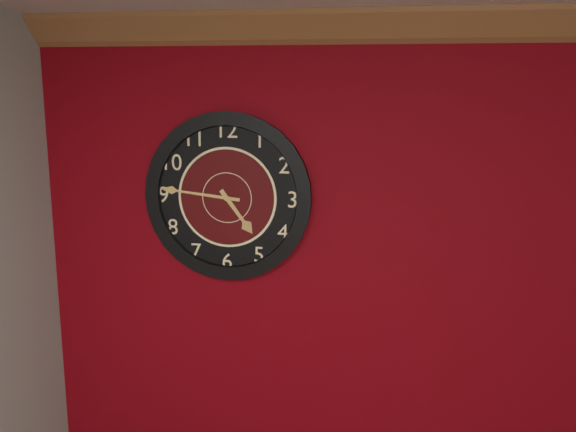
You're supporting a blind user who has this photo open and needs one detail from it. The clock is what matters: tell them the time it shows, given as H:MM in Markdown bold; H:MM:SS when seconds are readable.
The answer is **4:46**
